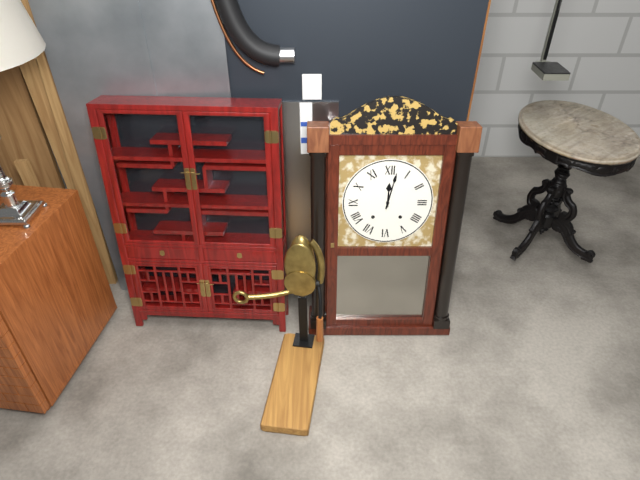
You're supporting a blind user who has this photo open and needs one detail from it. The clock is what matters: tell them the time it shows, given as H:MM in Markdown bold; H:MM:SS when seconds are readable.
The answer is **12:02**
